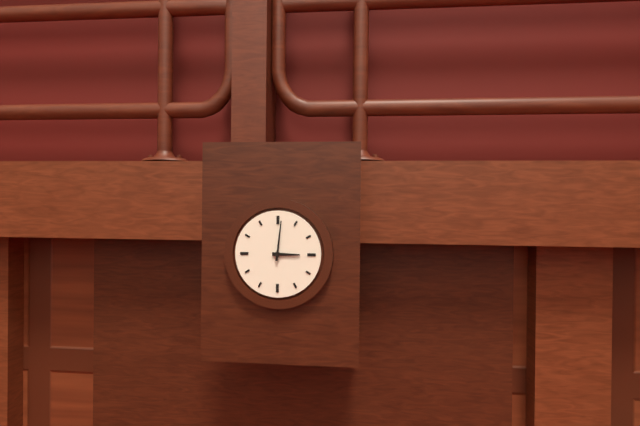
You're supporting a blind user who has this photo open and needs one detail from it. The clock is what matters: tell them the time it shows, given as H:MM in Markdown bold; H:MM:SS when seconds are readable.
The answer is **3:01**
